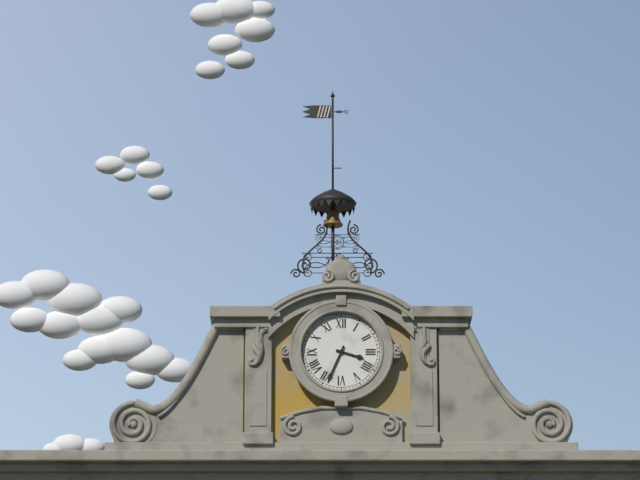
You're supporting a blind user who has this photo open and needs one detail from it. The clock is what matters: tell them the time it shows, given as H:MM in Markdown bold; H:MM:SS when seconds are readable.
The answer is **3:34**
